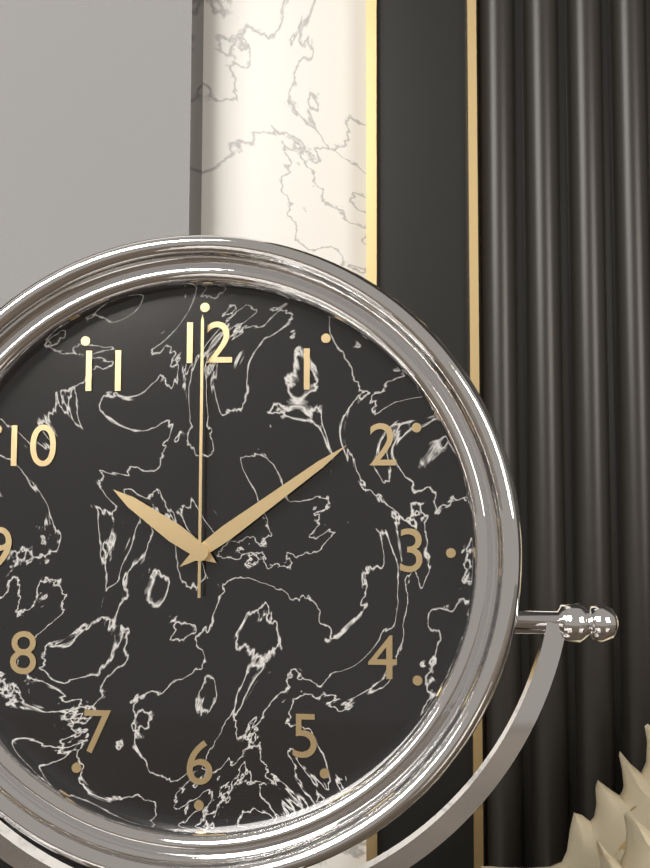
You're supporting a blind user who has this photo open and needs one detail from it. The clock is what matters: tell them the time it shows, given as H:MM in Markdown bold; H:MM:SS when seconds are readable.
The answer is **10:09:00**
